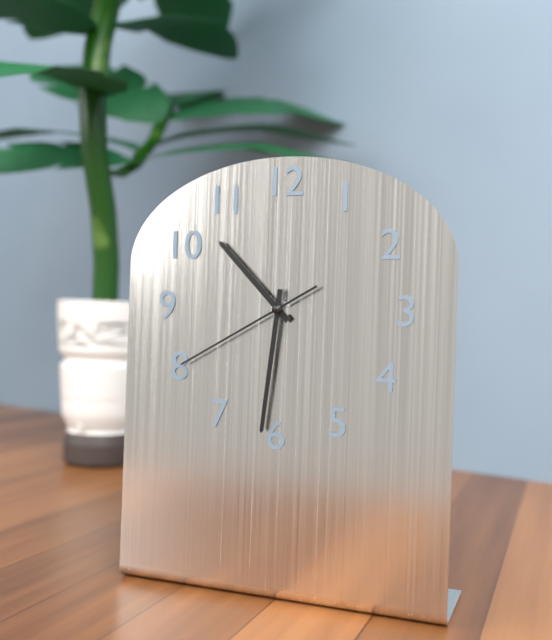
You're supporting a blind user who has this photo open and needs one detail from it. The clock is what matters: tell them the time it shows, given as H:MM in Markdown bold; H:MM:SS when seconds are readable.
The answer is **10:31:40**
